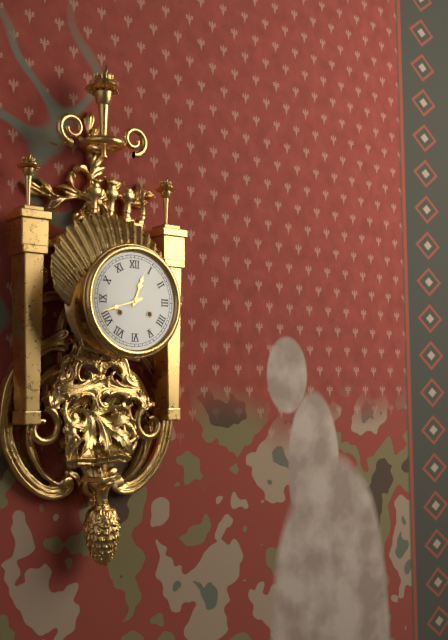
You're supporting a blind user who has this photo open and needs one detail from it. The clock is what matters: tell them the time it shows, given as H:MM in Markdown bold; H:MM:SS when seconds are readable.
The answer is **12:42**
